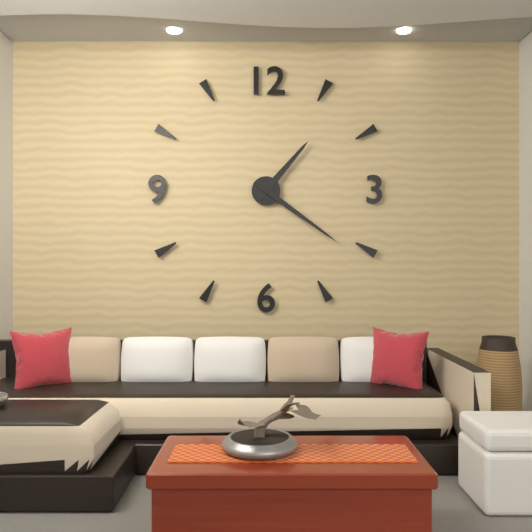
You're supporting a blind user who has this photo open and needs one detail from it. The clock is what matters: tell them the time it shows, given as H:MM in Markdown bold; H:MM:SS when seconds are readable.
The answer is **1:21**
